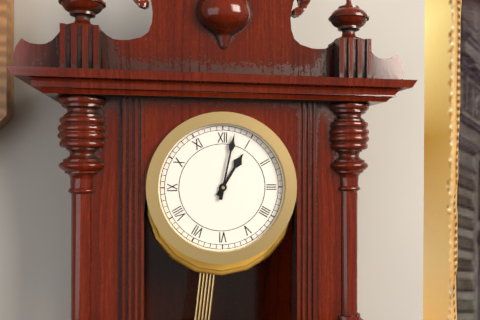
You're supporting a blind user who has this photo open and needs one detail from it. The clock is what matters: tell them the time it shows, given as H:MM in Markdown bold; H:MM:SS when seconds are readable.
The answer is **1:02**
